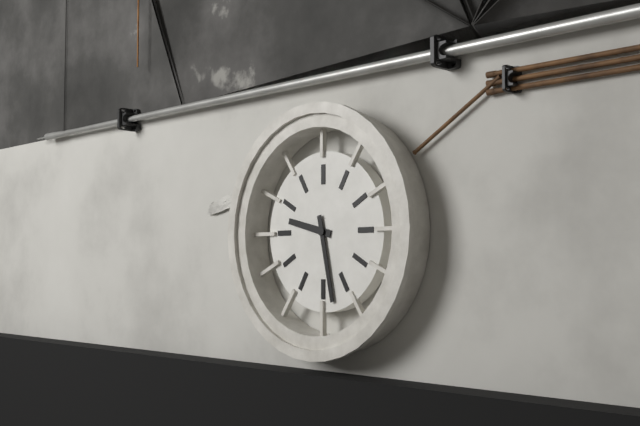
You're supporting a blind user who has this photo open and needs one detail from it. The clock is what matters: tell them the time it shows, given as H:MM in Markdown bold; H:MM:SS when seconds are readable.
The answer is **9:28**
